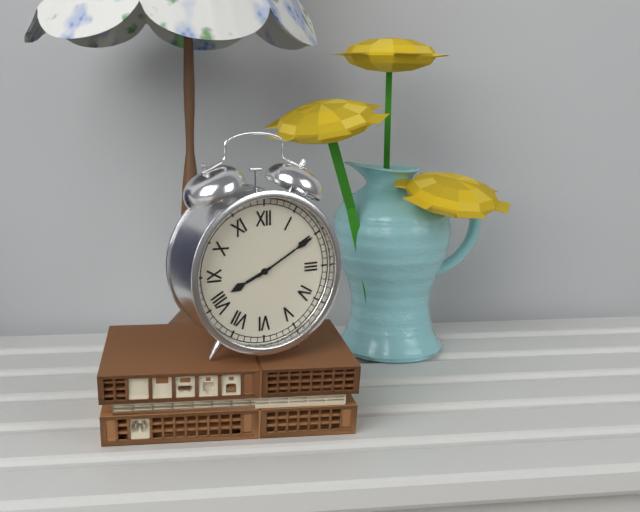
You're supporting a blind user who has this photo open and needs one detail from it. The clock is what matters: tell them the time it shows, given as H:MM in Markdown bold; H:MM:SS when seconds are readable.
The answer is **8:10**
